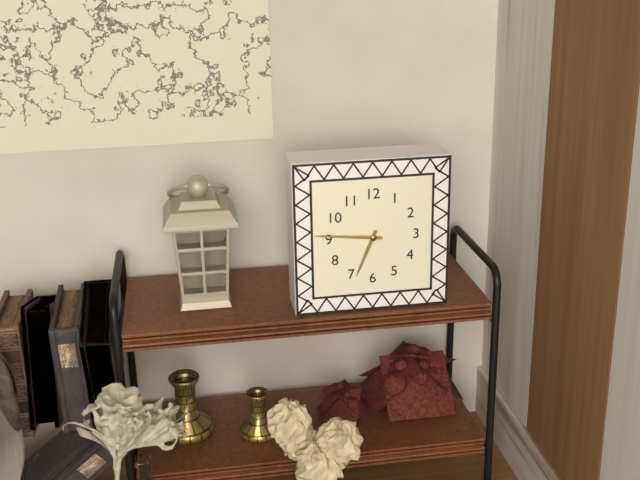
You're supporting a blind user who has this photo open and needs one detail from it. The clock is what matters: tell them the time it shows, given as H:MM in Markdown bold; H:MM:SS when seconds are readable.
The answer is **6:46**
